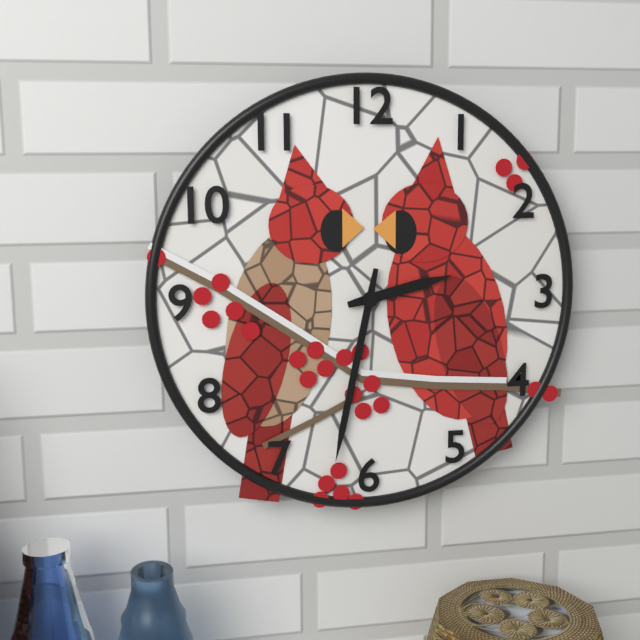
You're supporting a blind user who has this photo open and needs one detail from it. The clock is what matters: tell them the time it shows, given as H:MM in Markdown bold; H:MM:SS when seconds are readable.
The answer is **2:32**
